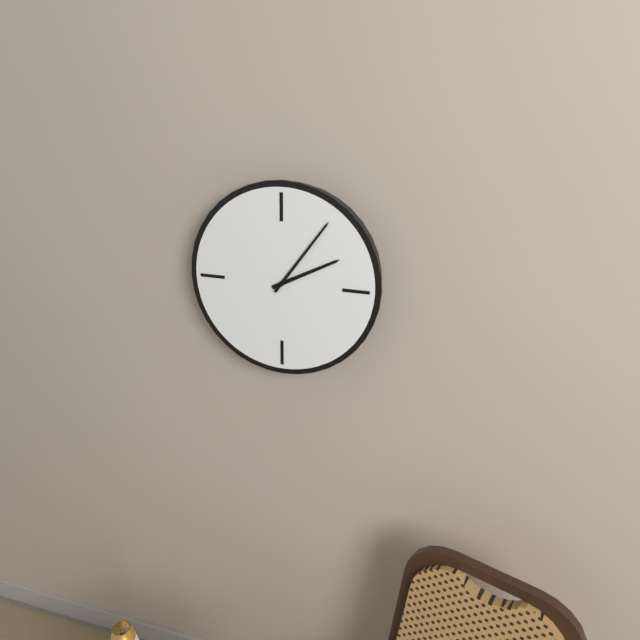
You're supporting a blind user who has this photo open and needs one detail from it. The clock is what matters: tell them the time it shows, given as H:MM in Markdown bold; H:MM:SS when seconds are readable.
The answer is **2:06**
